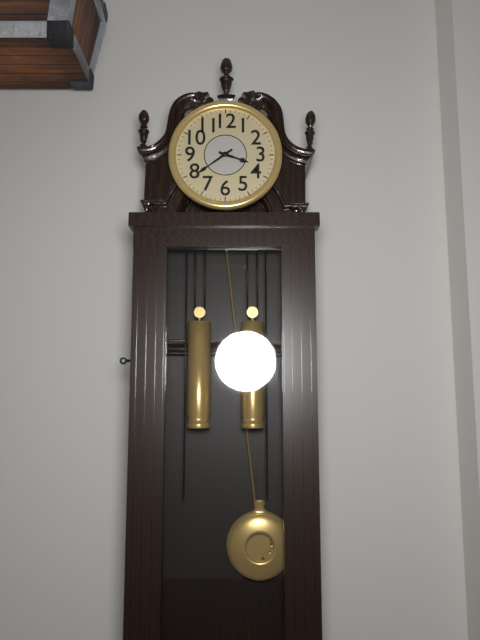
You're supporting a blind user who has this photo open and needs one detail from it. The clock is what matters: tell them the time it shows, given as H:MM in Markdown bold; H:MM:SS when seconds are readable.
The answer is **3:39**
